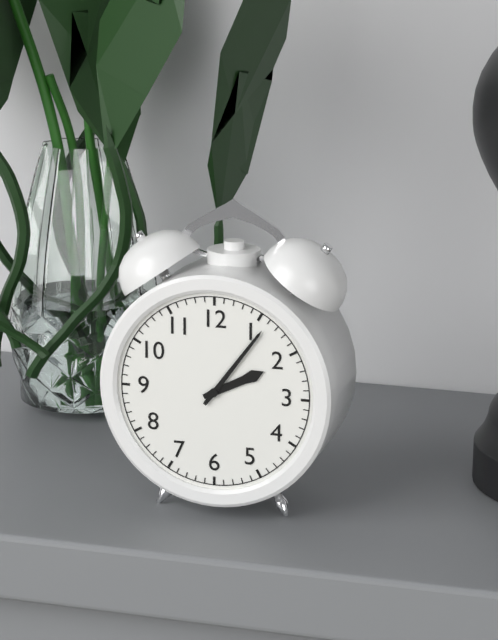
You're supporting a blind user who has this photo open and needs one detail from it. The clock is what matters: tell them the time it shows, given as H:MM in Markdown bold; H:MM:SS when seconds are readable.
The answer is **2:06**
